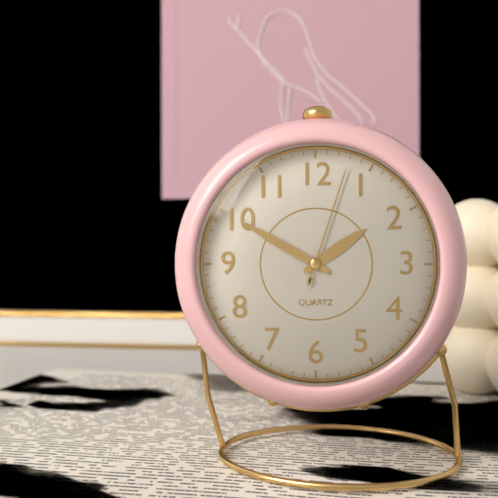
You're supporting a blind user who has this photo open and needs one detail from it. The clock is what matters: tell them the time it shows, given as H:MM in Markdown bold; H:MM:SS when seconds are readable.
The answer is **1:50:03**
